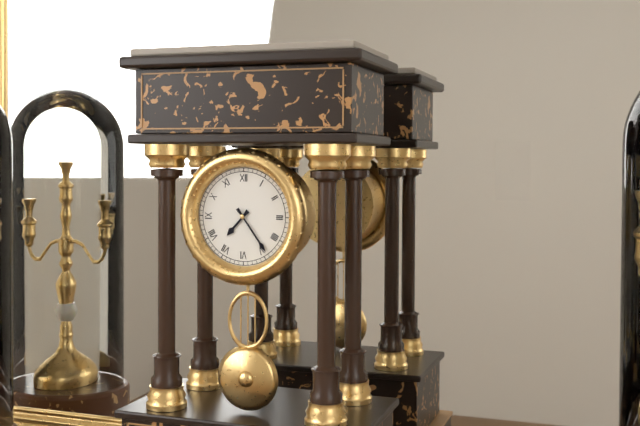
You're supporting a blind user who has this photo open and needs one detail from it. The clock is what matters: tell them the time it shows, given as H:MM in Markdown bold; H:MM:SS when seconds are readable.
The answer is **7:24**
